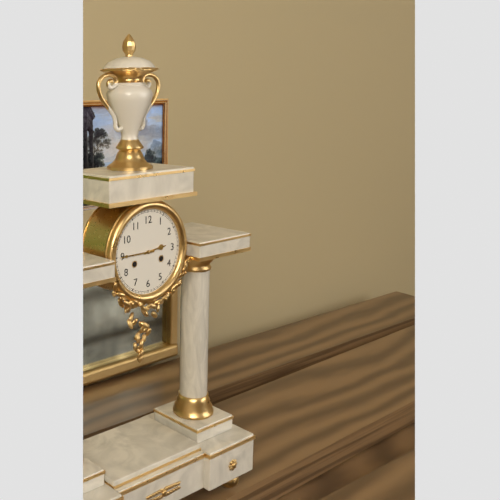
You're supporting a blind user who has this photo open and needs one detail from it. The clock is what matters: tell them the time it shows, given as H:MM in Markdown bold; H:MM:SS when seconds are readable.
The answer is **2:45**
